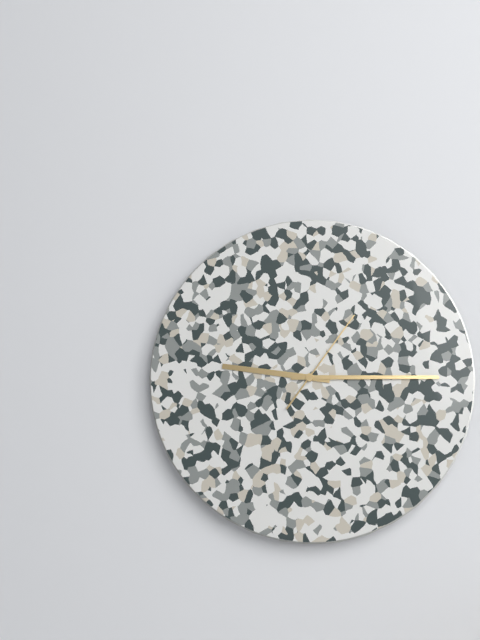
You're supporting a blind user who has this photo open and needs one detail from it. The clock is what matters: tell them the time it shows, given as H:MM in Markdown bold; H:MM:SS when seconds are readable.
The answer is **9:15:06**
